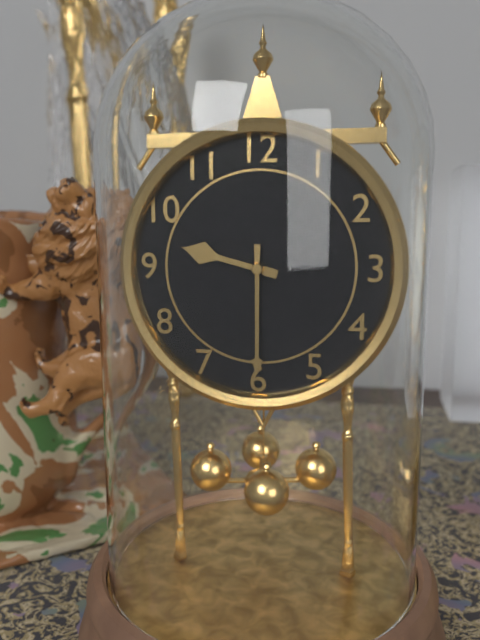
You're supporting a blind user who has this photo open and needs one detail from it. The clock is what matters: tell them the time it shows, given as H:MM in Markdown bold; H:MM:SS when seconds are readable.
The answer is **9:30**
